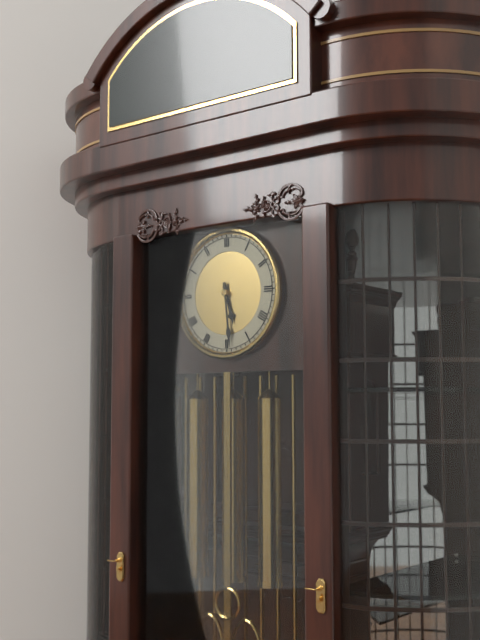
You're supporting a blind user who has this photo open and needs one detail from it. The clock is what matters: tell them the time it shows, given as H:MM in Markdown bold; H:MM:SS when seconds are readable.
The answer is **5:29**
